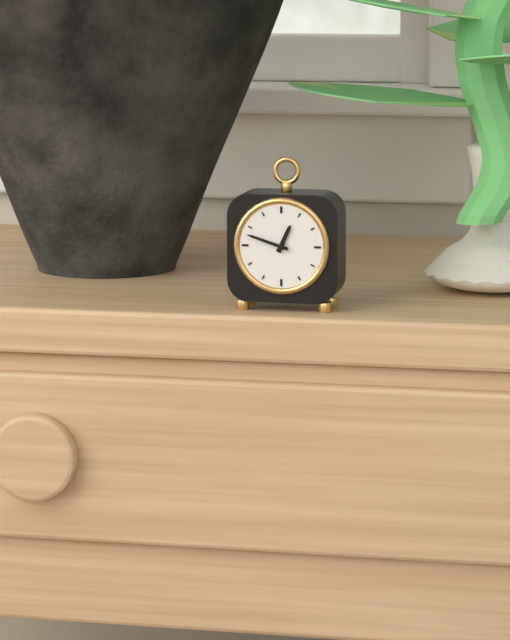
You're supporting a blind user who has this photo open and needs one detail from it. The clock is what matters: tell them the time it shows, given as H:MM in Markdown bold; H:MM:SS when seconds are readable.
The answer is **12:48**
